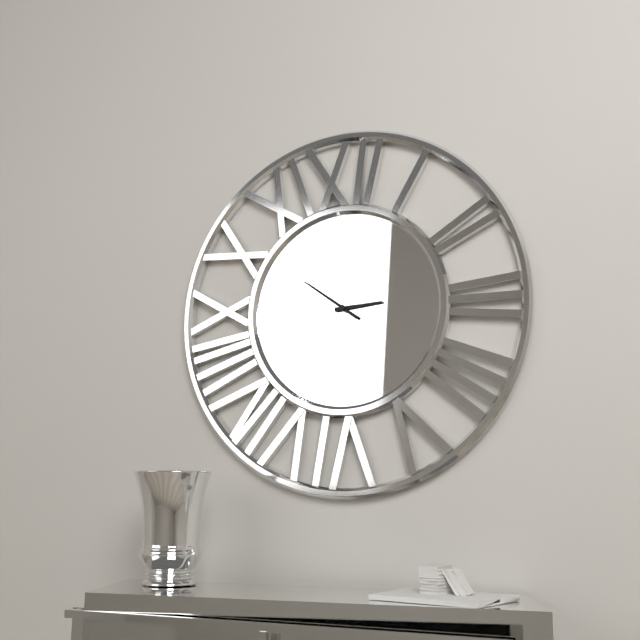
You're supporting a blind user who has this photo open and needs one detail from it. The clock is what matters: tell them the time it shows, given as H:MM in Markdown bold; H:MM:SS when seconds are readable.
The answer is **2:51**
